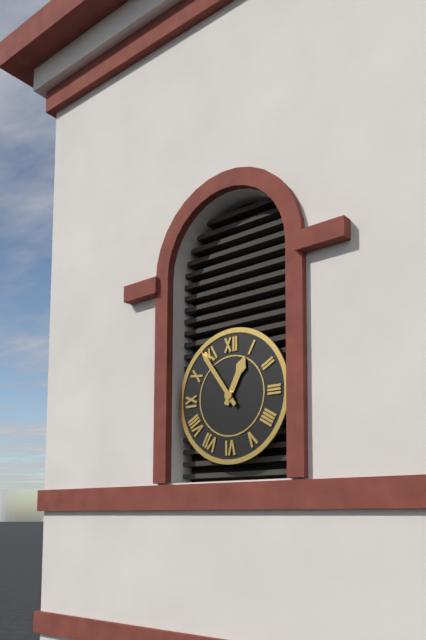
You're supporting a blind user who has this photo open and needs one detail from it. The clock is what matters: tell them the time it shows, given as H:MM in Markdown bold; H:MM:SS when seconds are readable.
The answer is **12:54**
